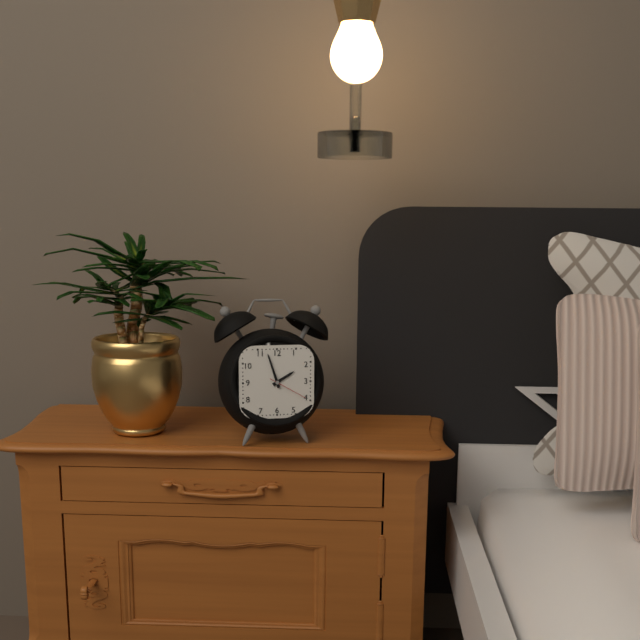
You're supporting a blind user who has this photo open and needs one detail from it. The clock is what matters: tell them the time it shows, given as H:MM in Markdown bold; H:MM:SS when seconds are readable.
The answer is **1:57**
